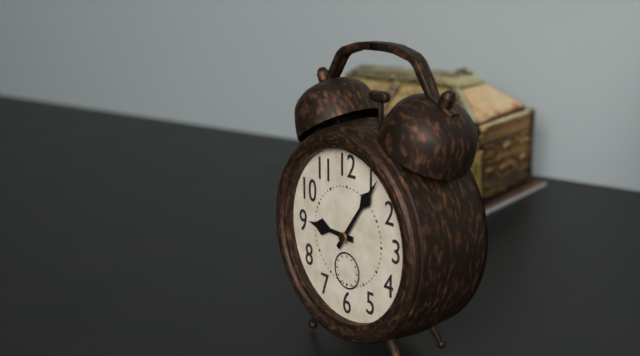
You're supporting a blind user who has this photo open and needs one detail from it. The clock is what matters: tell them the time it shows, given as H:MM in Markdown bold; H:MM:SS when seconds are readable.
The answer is **9:06**
